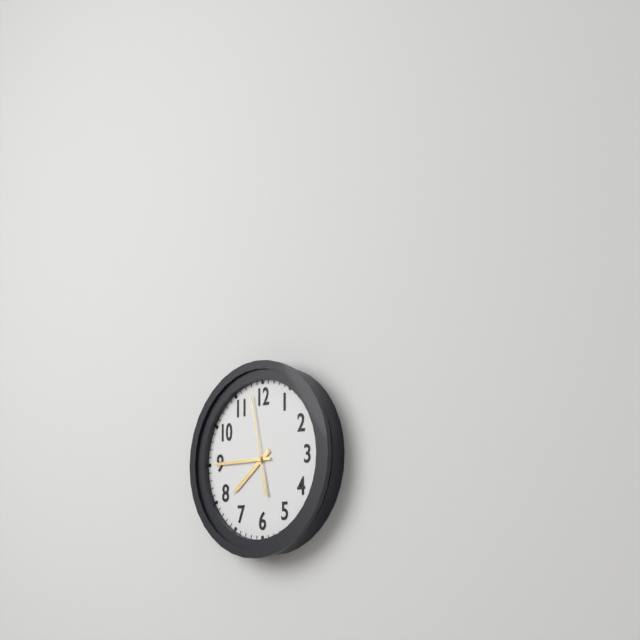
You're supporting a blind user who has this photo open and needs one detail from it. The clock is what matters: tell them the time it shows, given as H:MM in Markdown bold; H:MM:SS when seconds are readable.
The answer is **7:45:58**
